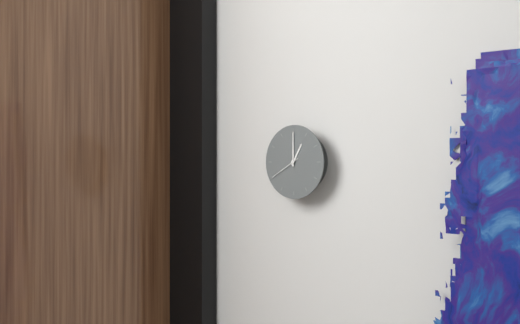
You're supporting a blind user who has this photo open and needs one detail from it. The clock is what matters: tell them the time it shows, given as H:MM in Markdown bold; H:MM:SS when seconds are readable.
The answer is **1:00**
